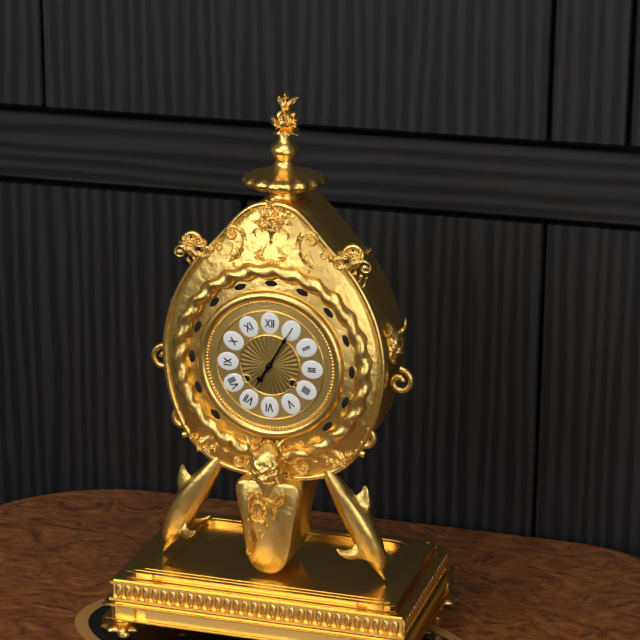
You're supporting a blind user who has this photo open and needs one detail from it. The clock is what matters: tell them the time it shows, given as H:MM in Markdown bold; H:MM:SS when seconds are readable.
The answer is **7:05**
